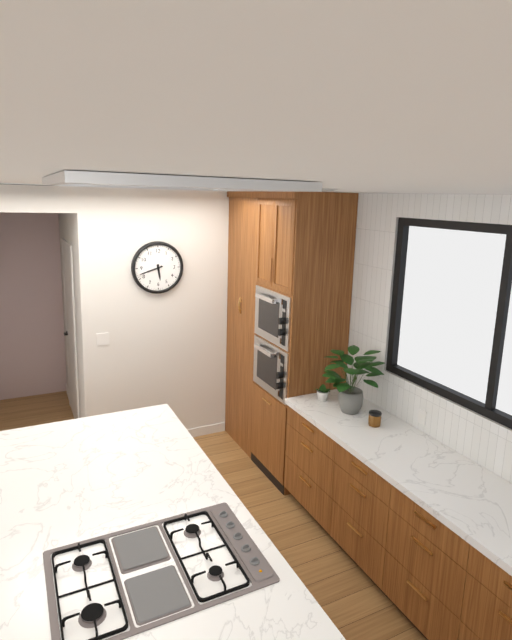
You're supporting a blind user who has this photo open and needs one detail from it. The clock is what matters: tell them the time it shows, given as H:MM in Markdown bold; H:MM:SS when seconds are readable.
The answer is **5:42**
